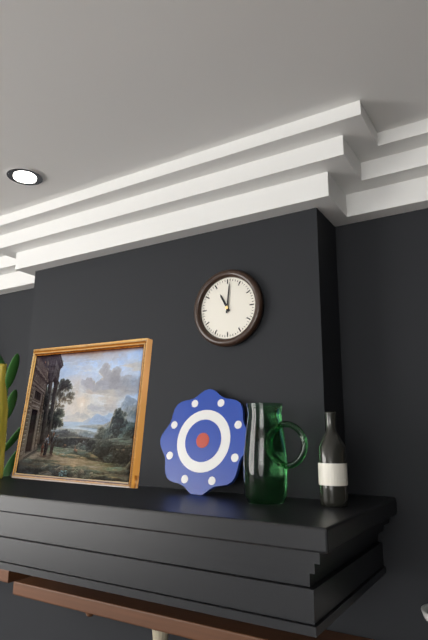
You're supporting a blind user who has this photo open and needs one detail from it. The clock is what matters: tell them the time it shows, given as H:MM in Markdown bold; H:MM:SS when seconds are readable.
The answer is **11:01**
